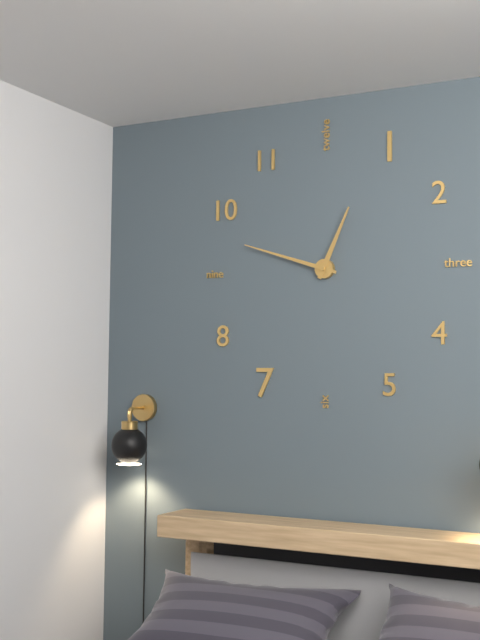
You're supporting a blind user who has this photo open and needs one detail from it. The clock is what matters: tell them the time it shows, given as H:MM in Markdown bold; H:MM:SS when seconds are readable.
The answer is **12:48**
